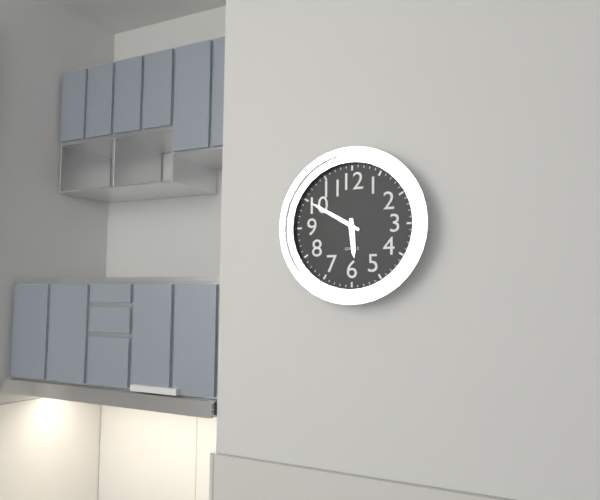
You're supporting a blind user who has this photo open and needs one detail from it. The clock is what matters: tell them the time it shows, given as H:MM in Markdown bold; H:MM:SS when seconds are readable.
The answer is **5:50**
